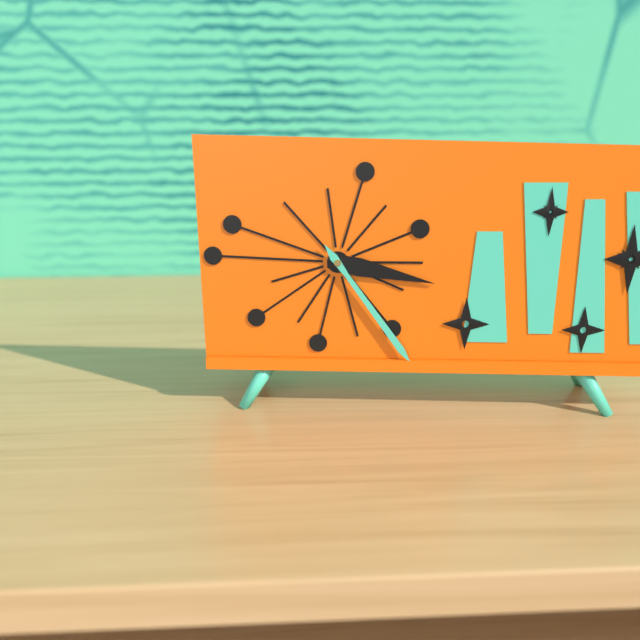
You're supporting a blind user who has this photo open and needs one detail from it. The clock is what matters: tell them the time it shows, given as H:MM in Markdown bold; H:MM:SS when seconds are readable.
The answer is **3:24**
